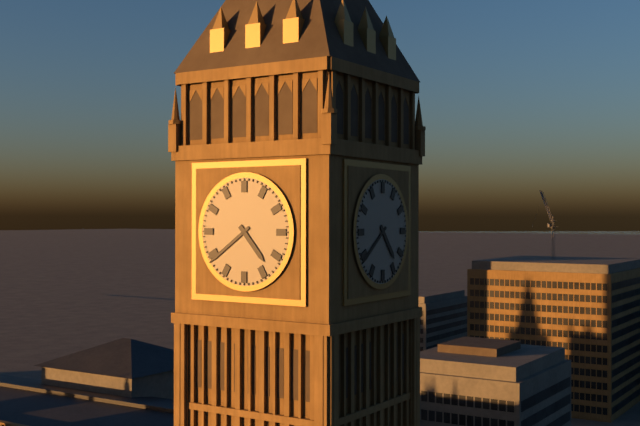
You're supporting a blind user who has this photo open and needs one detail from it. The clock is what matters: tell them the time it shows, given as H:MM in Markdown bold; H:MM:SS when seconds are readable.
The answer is **4:39**
